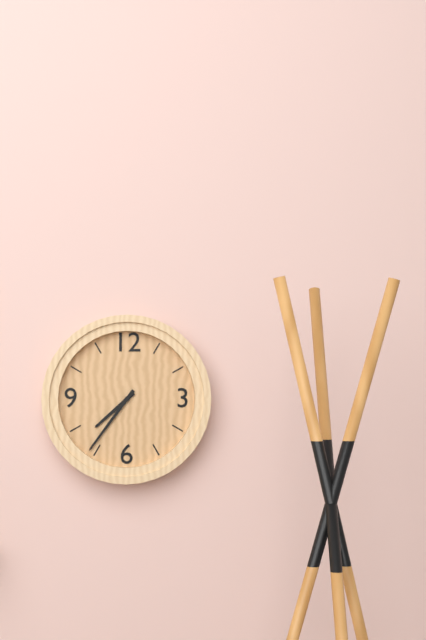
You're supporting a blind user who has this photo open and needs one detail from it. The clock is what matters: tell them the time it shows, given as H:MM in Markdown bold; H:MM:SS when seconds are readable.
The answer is **7:36**
